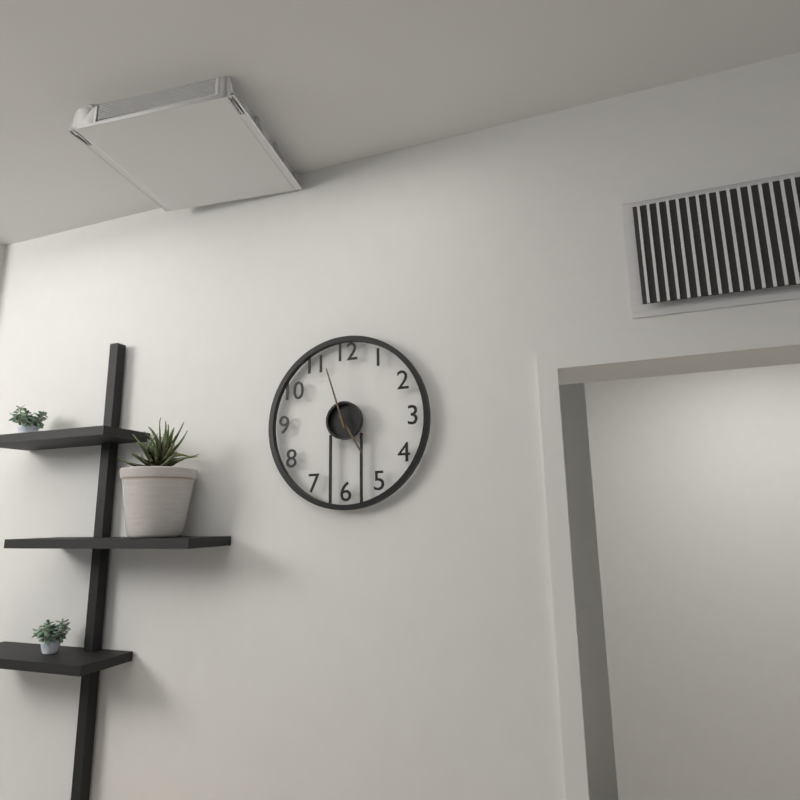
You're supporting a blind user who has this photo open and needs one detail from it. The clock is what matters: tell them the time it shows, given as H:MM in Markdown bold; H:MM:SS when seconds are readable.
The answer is **4:57**
